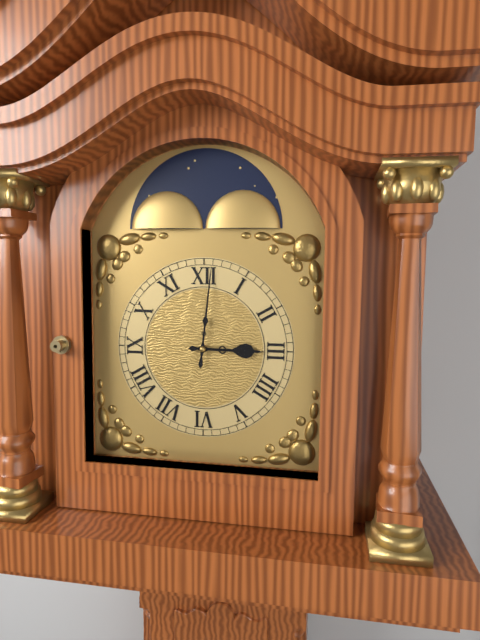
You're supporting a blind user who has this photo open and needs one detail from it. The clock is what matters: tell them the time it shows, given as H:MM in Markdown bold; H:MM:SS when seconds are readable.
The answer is **3:01**
